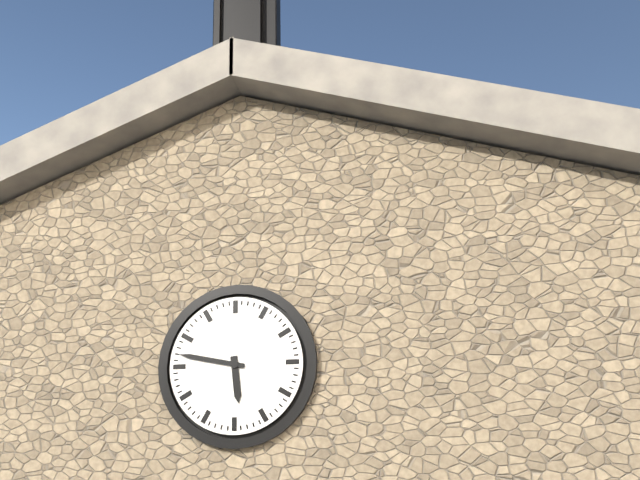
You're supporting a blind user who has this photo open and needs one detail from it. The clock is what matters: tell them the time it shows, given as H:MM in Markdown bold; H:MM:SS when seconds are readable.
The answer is **5:47**
